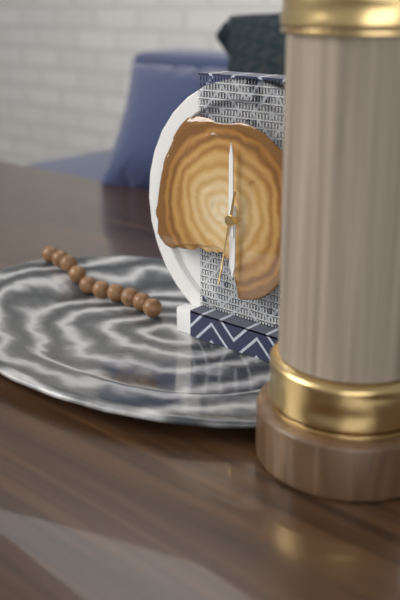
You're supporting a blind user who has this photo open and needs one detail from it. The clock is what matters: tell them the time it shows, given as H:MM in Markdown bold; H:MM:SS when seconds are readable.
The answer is **6:00:32**
